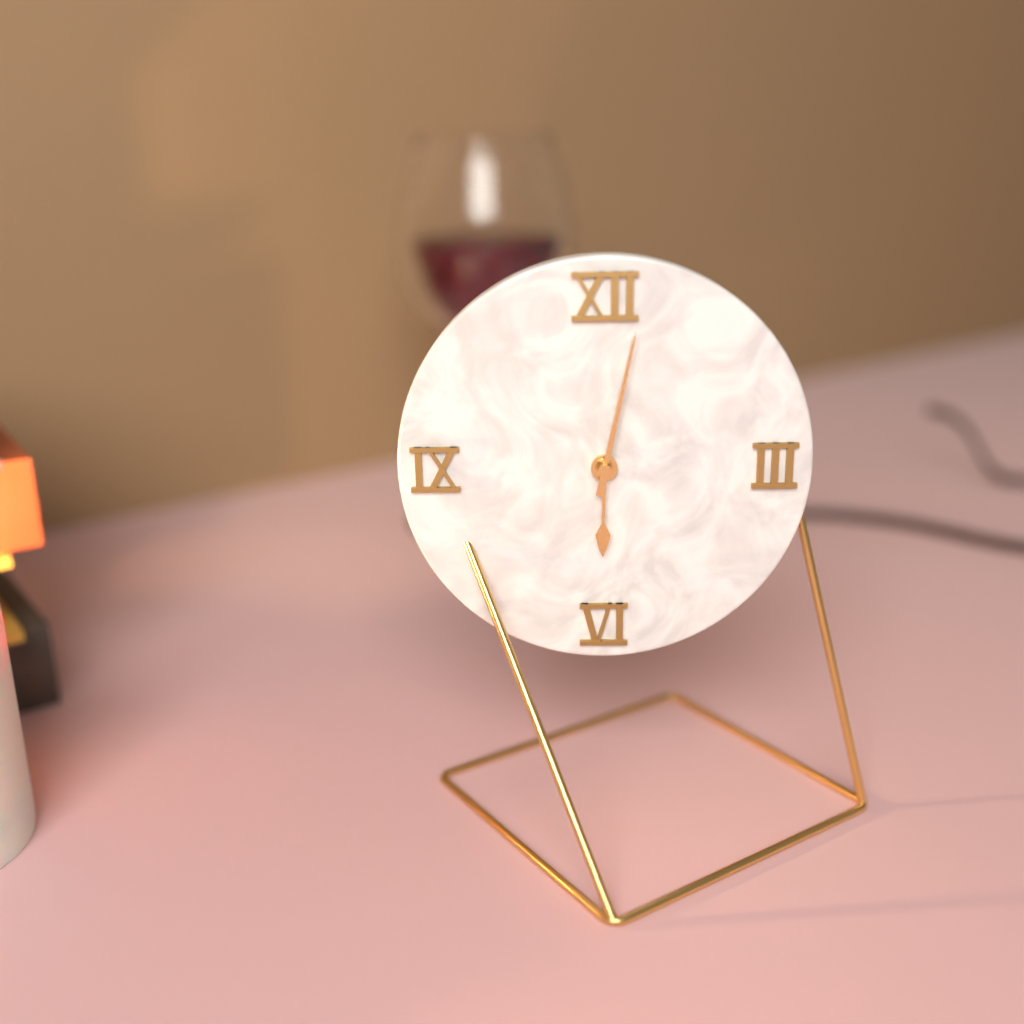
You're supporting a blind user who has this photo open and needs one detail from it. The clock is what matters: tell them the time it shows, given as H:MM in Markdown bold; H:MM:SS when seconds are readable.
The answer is **6:02**
